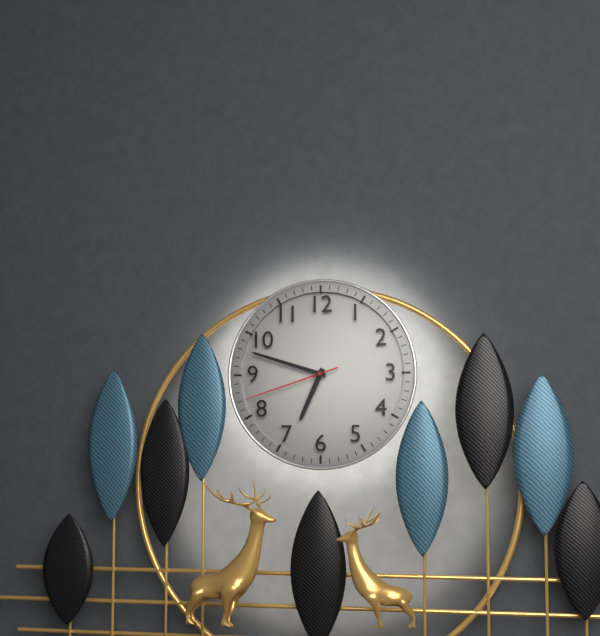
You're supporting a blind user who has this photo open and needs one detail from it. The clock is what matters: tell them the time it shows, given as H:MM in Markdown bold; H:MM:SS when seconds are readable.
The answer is **6:48:42**
